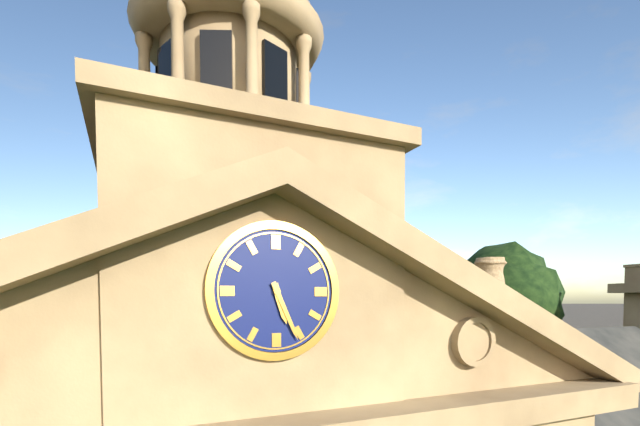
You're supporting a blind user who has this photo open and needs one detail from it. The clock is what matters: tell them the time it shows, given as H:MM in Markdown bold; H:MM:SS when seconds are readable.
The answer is **5:26**
